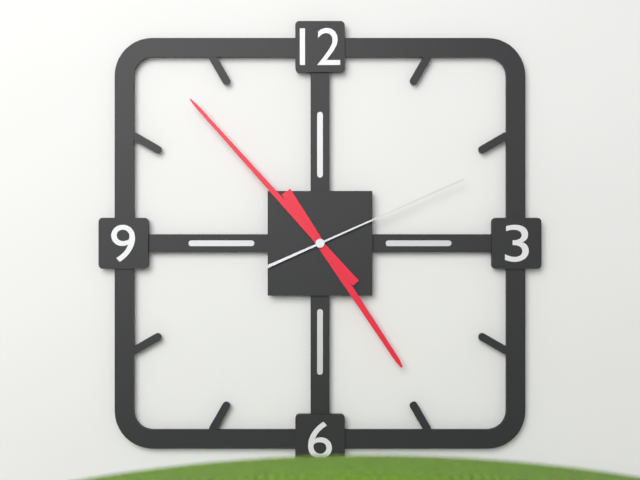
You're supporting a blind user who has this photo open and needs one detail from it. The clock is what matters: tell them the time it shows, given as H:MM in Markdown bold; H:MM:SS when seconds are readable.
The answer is **4:53:11**
